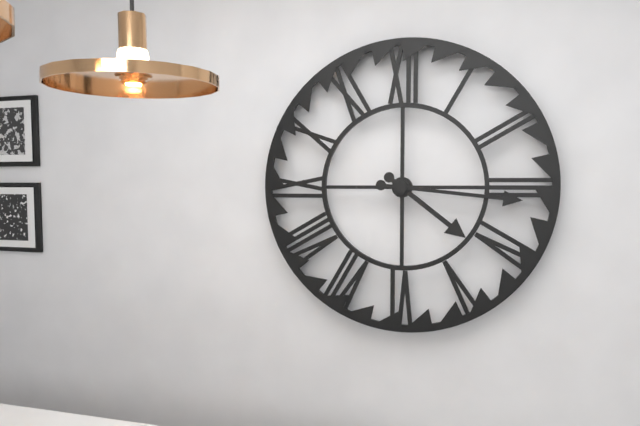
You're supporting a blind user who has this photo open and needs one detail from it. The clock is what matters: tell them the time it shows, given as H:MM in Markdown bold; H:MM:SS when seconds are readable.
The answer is **4:16**
